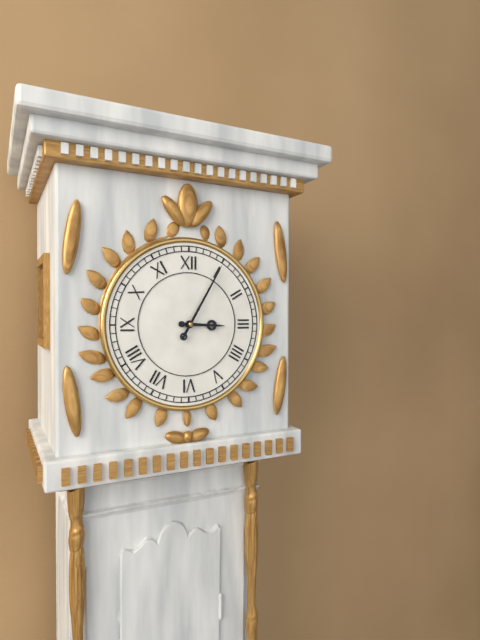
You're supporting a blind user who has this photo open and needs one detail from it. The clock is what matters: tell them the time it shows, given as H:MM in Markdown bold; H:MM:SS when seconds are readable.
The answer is **3:05**
